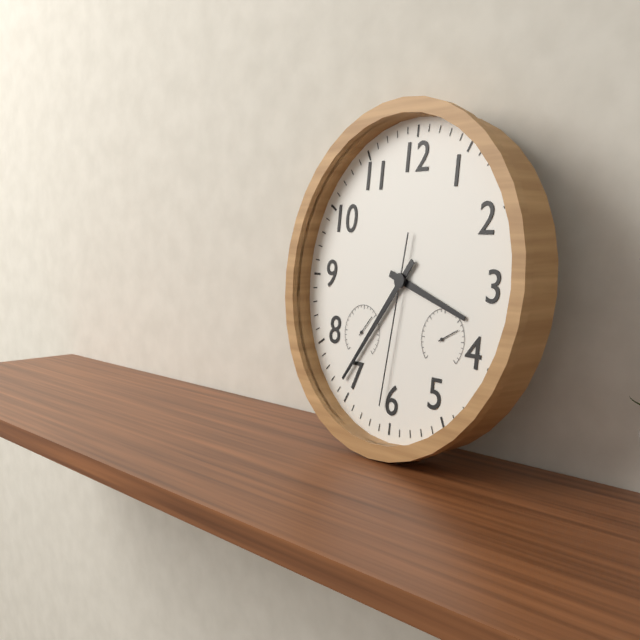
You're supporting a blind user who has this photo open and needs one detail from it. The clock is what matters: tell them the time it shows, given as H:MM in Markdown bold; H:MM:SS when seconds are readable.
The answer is **3:36:31**
